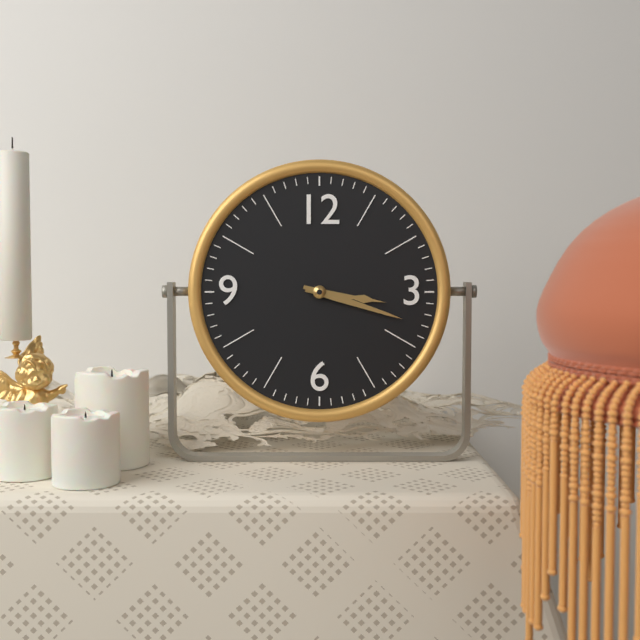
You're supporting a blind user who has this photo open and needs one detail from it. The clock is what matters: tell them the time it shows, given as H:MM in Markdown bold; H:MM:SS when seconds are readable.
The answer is **3:18**
